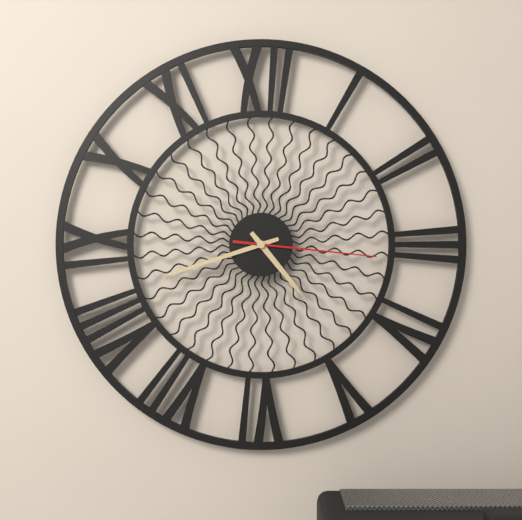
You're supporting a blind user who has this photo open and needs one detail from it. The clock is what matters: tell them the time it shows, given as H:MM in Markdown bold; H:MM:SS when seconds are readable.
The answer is **4:42:16**
